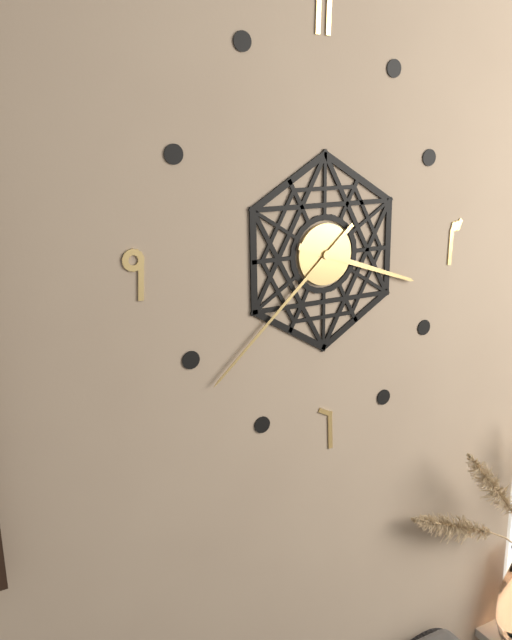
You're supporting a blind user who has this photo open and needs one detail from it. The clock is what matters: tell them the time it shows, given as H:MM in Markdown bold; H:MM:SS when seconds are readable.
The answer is **3:38**
